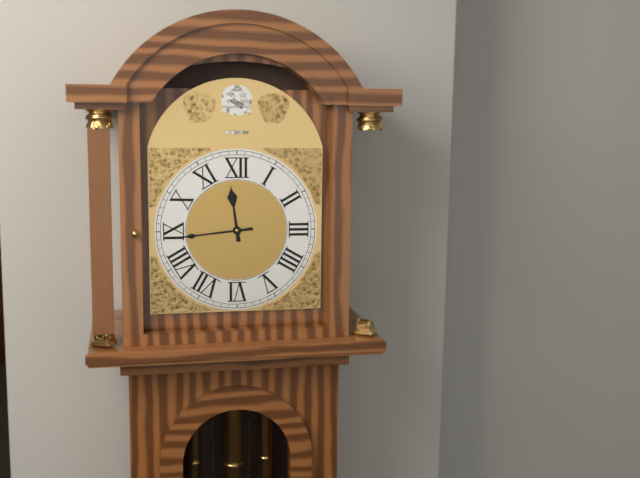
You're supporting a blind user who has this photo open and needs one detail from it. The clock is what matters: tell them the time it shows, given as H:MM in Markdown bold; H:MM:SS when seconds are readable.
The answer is **11:44**
